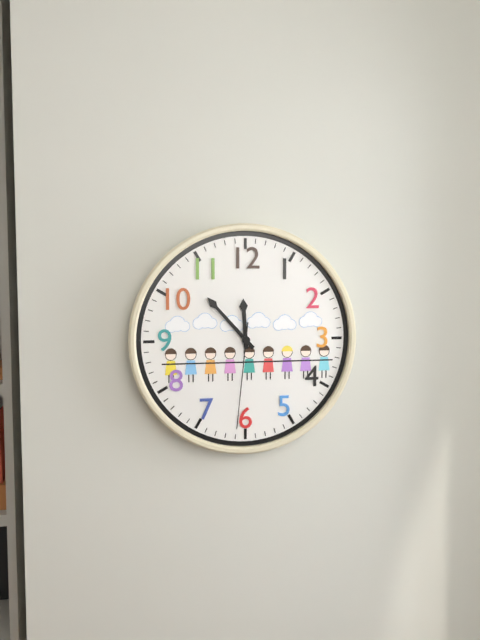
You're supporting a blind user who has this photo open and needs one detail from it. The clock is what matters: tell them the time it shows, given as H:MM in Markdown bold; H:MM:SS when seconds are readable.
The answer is **11:53:31**
